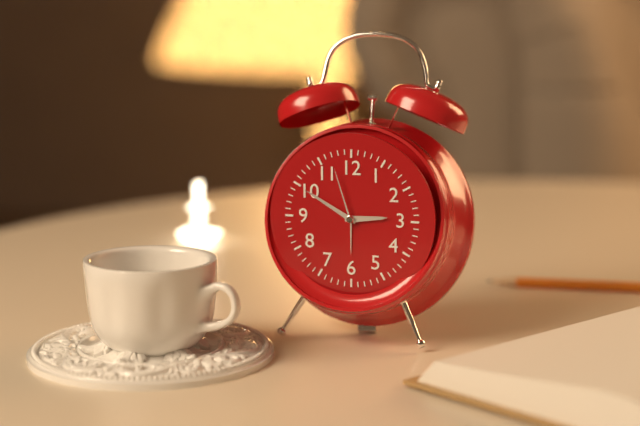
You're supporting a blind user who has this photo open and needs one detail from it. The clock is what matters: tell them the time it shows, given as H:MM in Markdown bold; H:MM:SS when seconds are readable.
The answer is **2:50:57**
